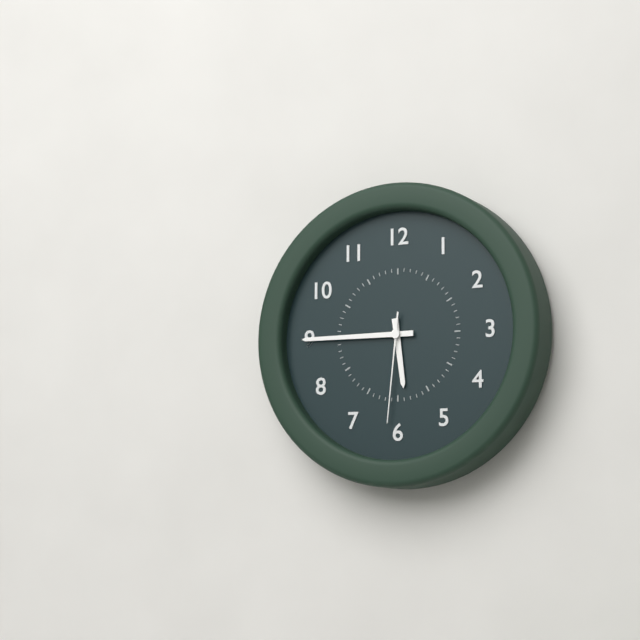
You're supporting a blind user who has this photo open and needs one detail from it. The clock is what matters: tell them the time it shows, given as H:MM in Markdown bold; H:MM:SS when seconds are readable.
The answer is **5:45:31**
